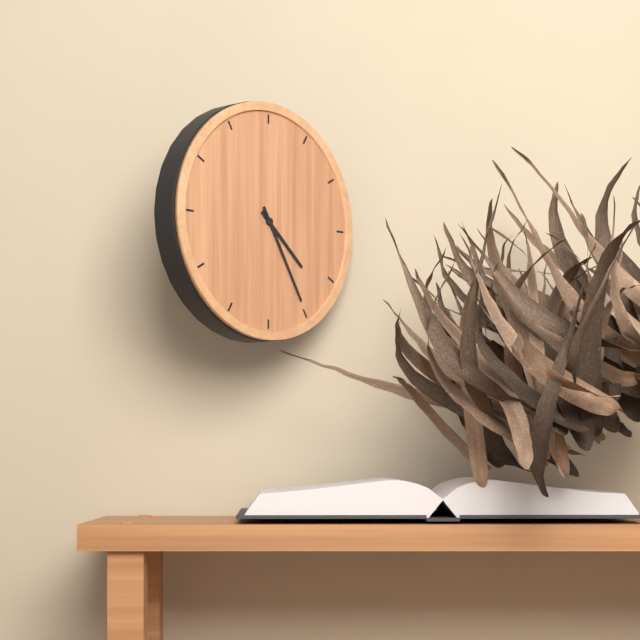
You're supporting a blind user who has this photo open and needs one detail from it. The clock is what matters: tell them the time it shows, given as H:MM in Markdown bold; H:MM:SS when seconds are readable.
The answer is **4:25**
